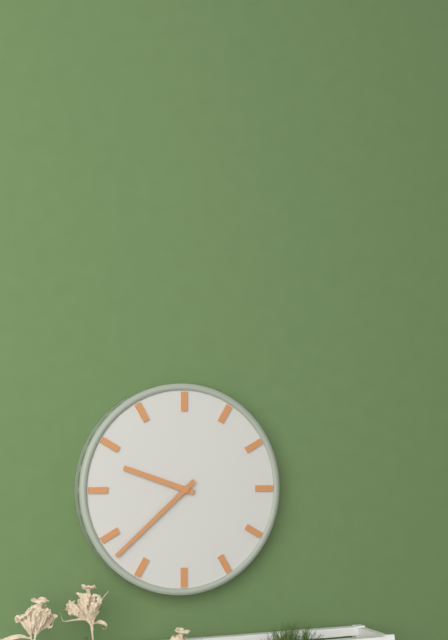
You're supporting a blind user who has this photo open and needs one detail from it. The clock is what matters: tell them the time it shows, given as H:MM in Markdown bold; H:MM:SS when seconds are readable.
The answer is **9:38**
